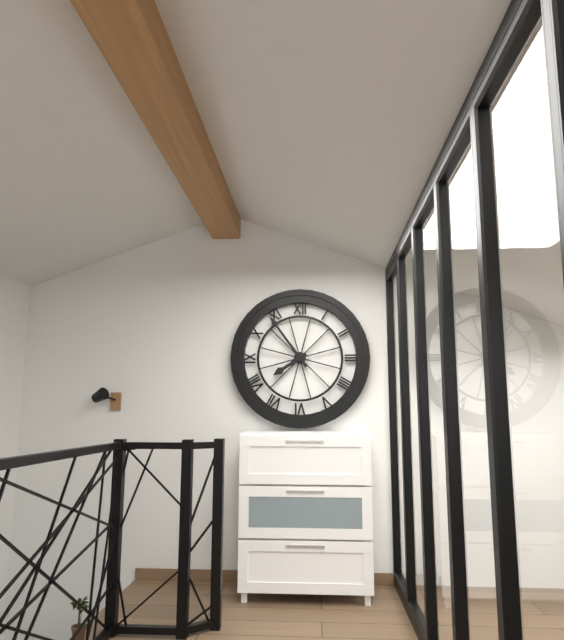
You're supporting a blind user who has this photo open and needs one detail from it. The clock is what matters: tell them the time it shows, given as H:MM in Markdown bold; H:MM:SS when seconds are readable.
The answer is **7:54**
